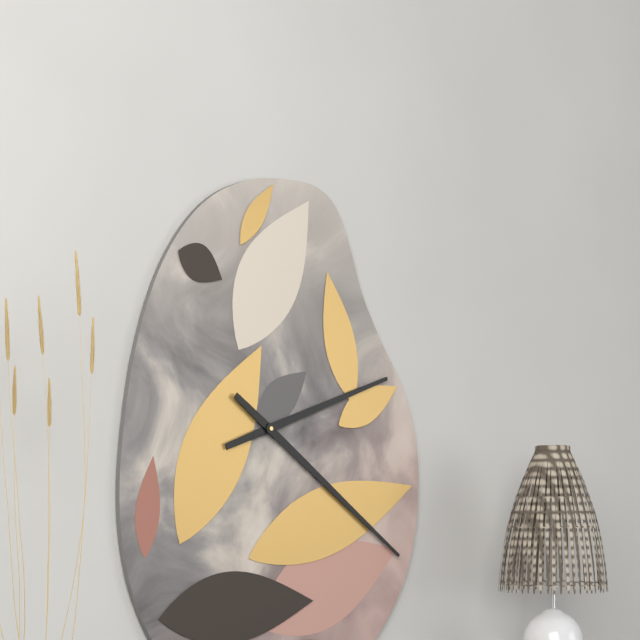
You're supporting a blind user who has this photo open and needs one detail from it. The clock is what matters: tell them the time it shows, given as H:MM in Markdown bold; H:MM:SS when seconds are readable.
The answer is **2:21**
